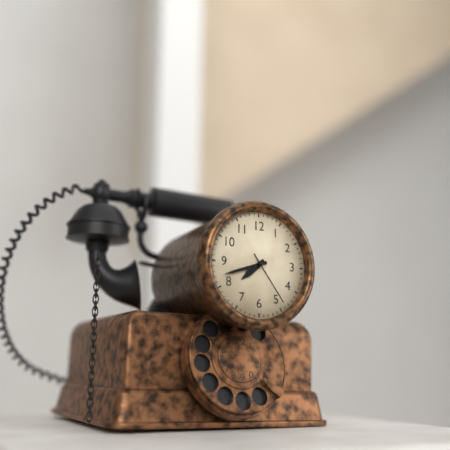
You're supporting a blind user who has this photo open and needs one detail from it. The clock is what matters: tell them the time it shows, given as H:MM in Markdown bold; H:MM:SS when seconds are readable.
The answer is **7:42:24**
